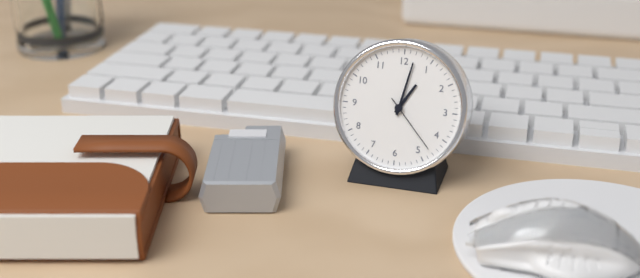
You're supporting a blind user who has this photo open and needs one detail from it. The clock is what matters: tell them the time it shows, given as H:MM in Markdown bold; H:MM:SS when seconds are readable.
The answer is **1:02:23**
